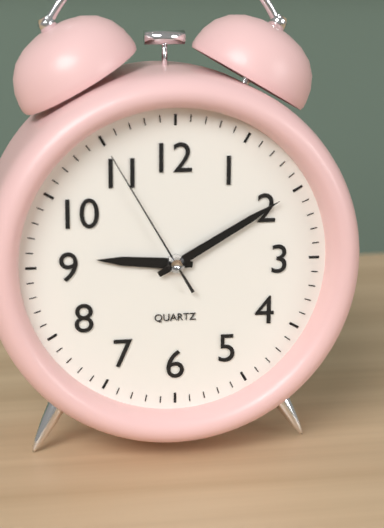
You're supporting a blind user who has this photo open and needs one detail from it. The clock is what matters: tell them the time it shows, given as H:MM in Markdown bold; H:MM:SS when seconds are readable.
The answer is **9:10:55**
